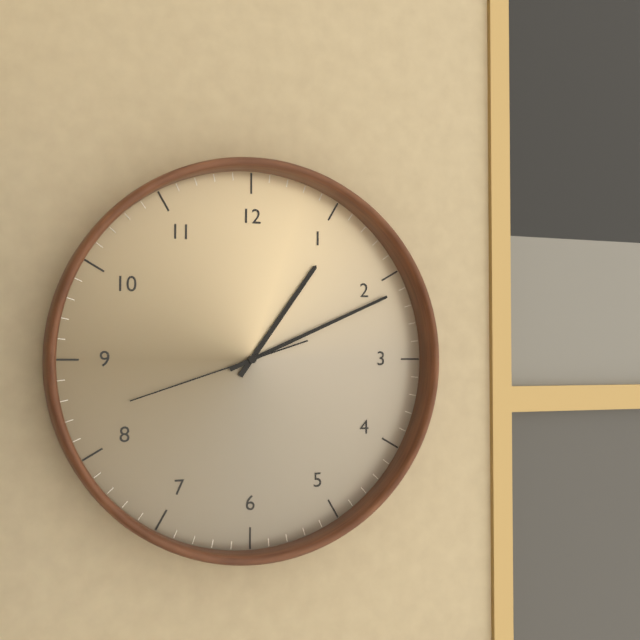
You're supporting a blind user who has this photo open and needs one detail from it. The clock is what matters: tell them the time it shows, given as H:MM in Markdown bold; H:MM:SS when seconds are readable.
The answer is **1:11:42**
